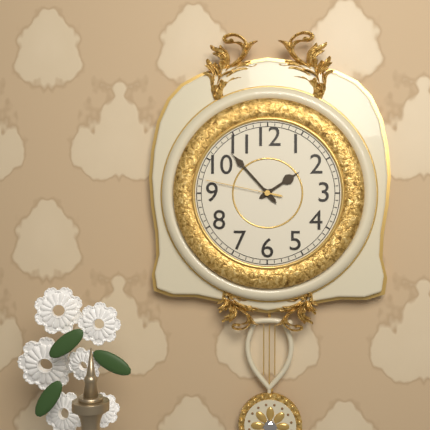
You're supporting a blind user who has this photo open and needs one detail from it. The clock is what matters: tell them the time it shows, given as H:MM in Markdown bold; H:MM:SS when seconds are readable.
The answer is **1:53:47**
